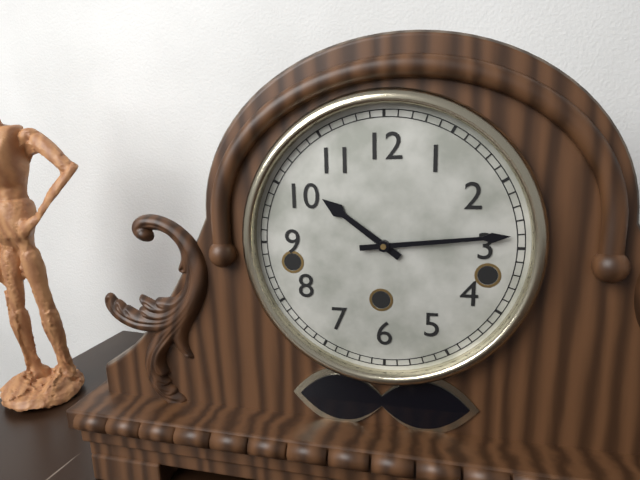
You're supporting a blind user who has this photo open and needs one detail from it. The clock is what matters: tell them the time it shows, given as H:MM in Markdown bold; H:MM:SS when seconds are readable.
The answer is **10:14**
